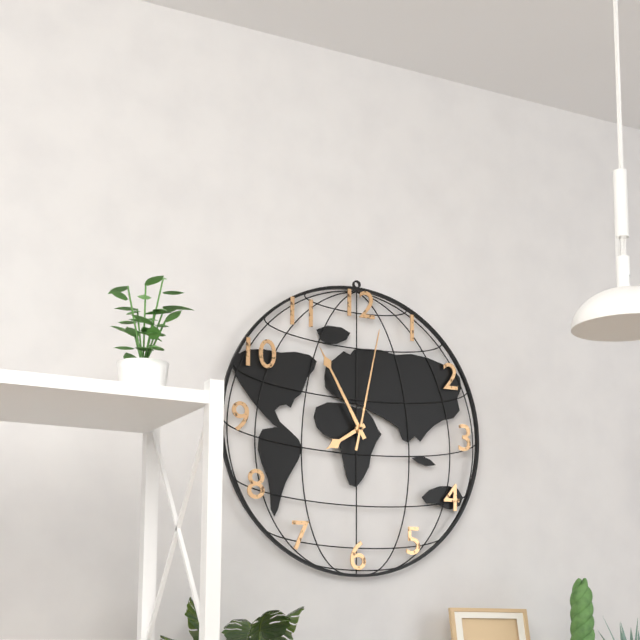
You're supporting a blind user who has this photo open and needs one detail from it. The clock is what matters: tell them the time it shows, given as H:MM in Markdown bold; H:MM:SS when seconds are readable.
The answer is **7:55:02**
